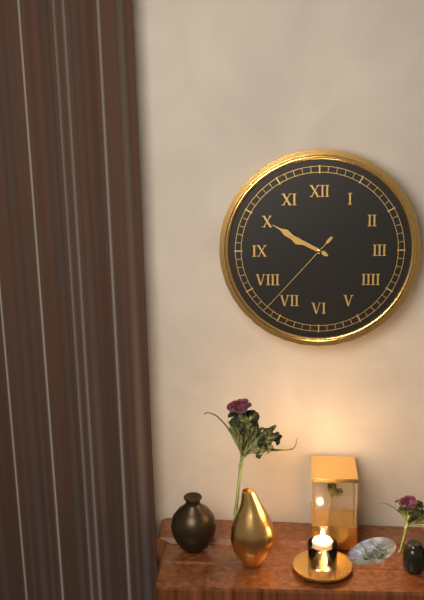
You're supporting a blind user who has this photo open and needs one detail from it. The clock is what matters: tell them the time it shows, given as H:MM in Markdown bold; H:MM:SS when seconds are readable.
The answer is **9:50:37**
